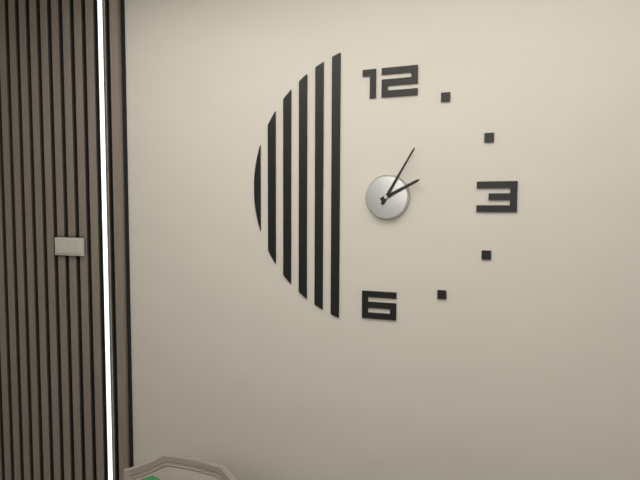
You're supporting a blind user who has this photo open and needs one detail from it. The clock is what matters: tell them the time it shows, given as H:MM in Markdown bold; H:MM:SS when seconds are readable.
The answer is **2:05**
